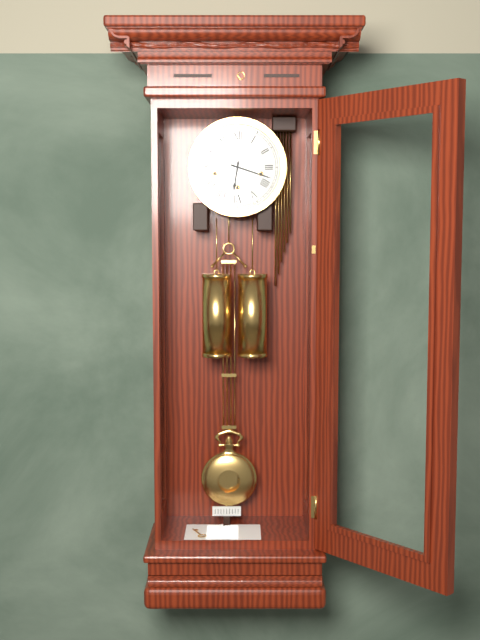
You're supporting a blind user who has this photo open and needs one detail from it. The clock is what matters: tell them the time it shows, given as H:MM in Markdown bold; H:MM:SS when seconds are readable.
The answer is **6:18**
